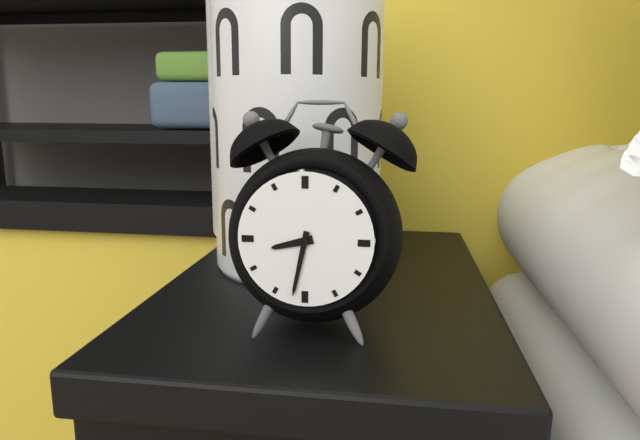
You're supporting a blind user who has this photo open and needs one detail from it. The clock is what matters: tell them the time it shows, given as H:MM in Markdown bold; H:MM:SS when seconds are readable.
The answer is **8:32**
